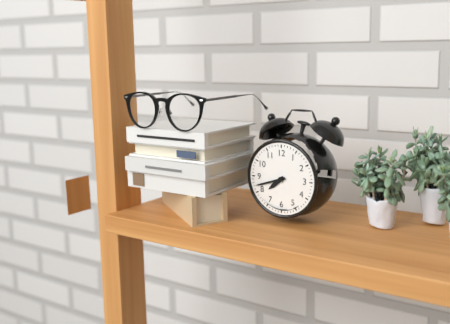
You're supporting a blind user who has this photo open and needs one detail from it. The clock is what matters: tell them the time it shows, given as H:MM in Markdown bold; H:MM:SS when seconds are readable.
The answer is **7:42**
